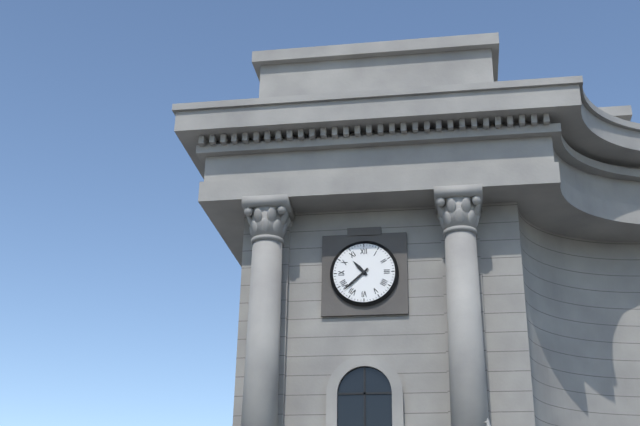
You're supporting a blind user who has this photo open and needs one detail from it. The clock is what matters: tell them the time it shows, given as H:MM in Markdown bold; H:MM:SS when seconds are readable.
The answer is **10:38**
